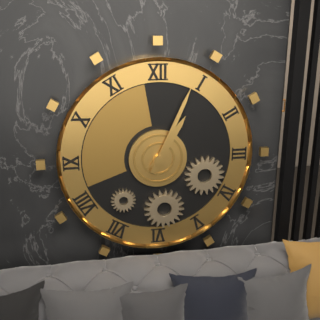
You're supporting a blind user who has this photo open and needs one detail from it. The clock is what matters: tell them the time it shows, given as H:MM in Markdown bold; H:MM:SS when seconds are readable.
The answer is **1:04**
